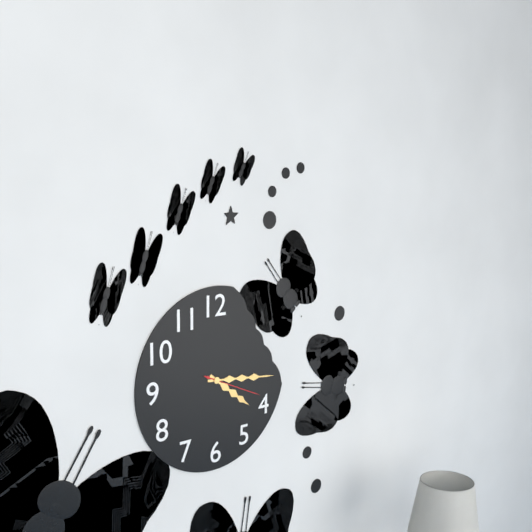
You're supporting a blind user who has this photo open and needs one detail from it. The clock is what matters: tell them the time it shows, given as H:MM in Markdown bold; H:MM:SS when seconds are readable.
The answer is **4:16:19**
